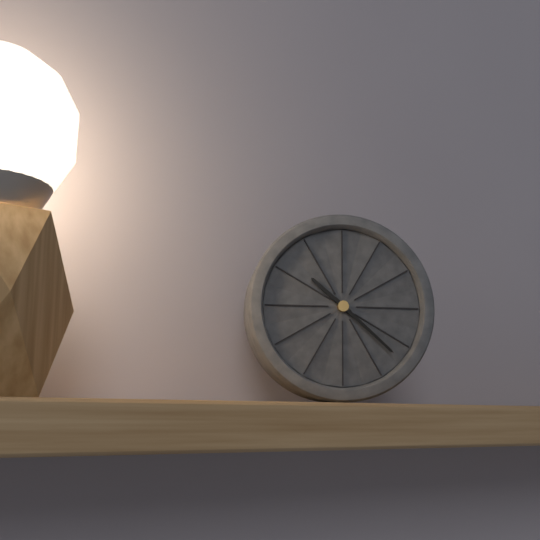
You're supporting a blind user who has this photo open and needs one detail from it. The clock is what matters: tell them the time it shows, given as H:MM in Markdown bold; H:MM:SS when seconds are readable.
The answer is **10:22**
